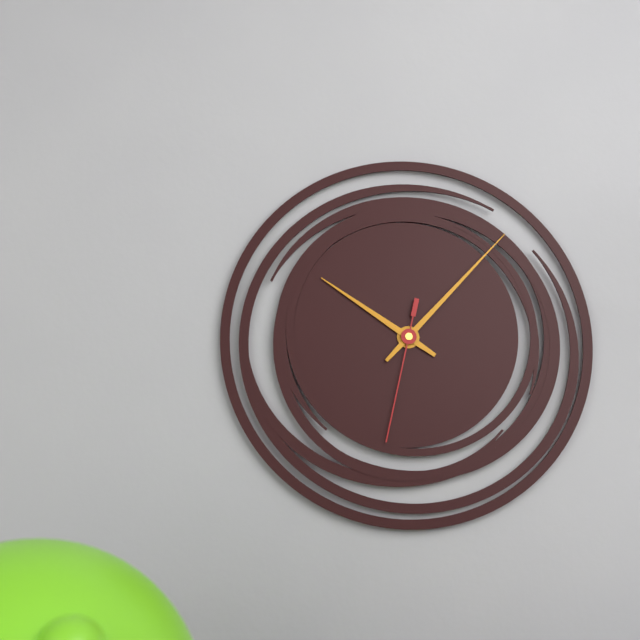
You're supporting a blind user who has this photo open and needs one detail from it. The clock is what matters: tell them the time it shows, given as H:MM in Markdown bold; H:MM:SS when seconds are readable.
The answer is **10:07:32**
